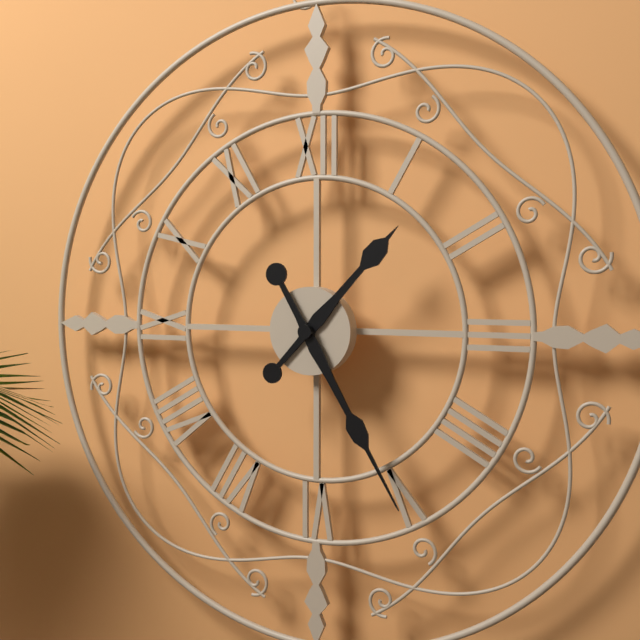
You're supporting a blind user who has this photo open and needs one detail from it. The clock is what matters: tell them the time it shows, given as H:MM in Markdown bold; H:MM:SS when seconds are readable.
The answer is **1:25**
